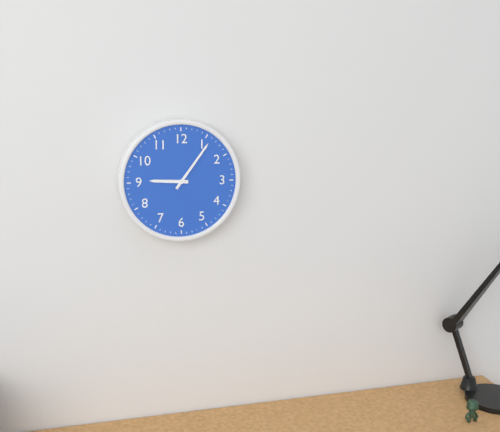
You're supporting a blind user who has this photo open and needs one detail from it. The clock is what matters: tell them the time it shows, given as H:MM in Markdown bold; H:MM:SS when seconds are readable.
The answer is **9:06**
